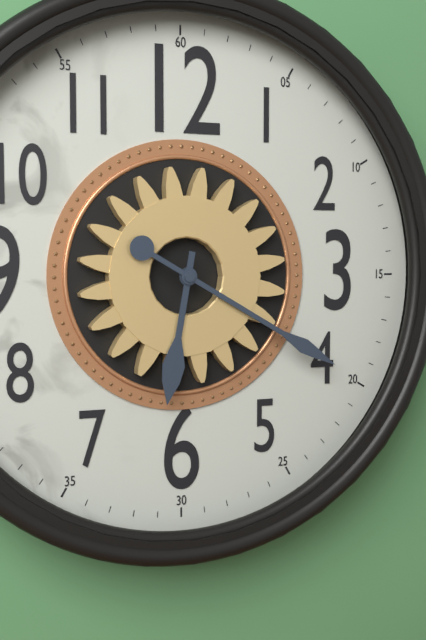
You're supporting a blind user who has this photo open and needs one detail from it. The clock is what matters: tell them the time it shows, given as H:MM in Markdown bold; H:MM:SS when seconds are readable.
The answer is **6:20**
